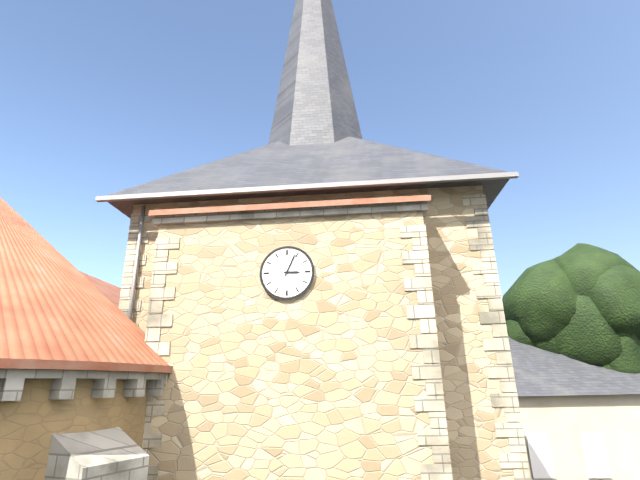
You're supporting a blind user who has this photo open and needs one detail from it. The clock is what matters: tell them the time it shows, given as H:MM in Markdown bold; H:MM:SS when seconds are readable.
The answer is **3:04**
